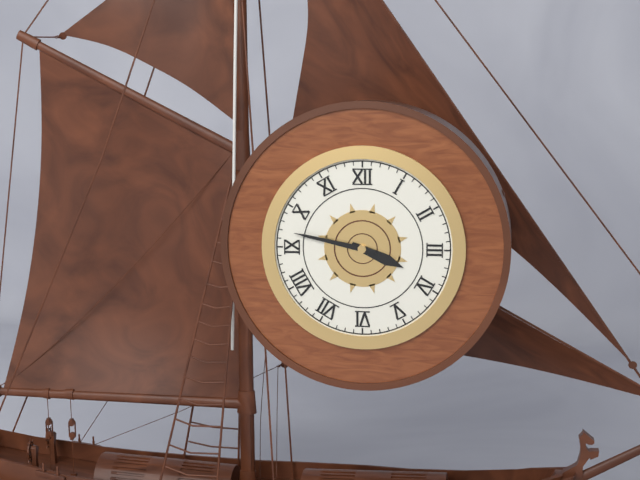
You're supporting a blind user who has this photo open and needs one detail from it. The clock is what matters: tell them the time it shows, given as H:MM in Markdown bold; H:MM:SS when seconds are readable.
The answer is **3:47**
